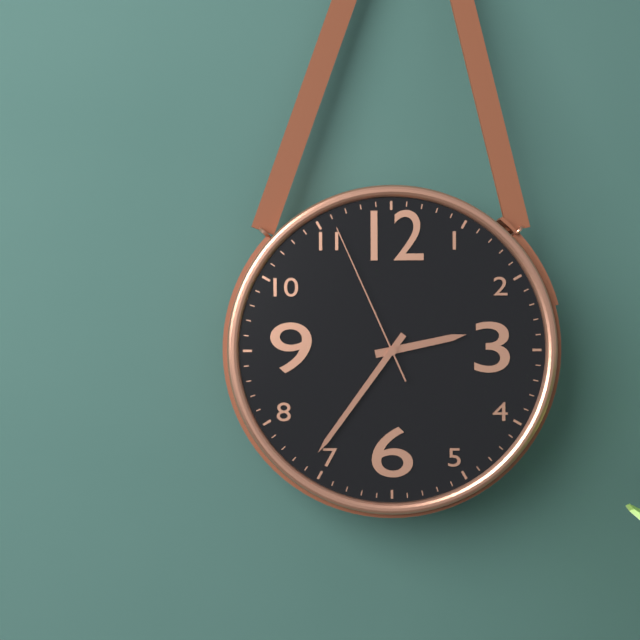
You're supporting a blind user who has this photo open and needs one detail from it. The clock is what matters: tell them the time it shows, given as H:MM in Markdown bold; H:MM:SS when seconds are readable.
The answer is **2:36:56**
